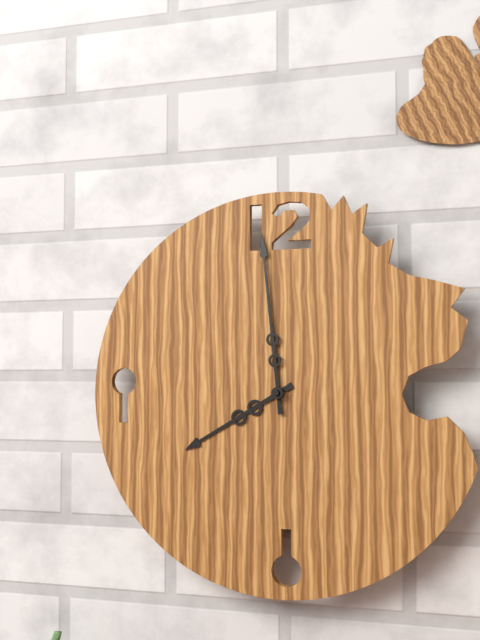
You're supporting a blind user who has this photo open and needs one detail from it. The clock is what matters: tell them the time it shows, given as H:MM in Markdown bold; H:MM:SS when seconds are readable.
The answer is **7:59**
